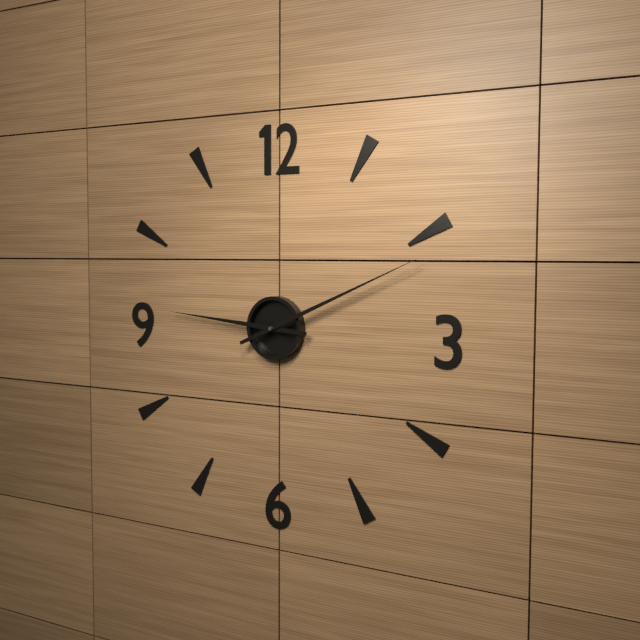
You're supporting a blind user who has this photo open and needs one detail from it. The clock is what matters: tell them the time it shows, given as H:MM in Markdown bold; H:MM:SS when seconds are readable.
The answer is **9:11**
